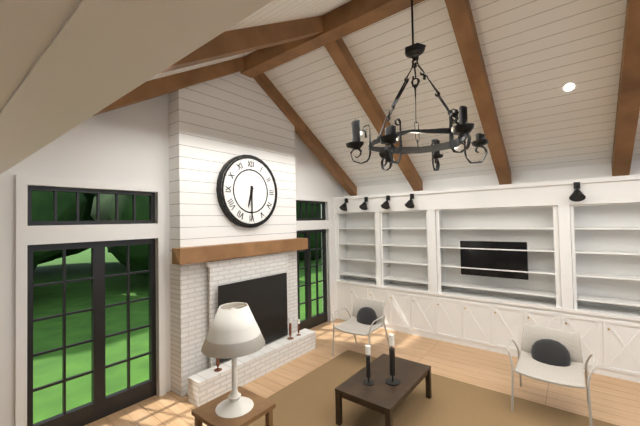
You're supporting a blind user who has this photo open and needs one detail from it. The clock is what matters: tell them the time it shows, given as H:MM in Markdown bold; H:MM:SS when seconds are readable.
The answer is **6:30**
